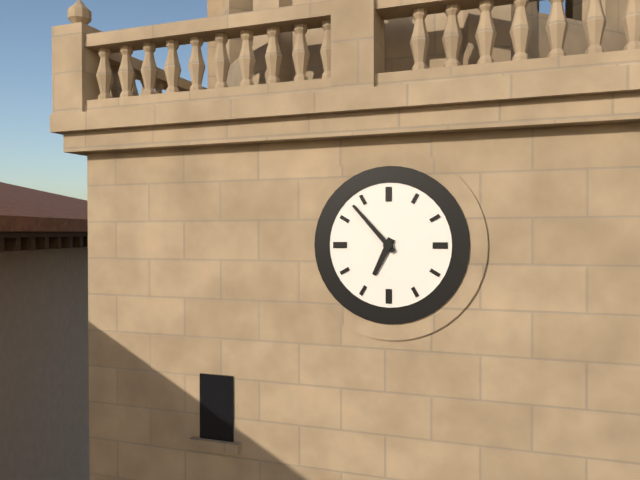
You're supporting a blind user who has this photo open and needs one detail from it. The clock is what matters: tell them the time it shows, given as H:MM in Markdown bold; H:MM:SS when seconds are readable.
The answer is **6:53**
